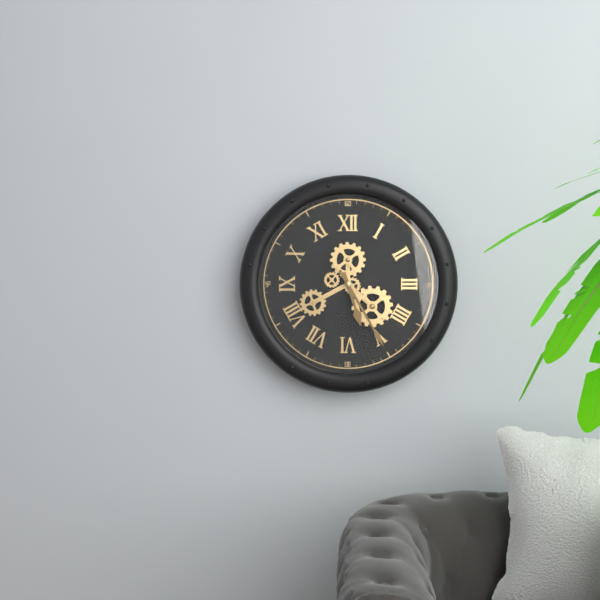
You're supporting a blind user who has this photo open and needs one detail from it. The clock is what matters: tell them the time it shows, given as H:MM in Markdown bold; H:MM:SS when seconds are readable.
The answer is **5:25**
